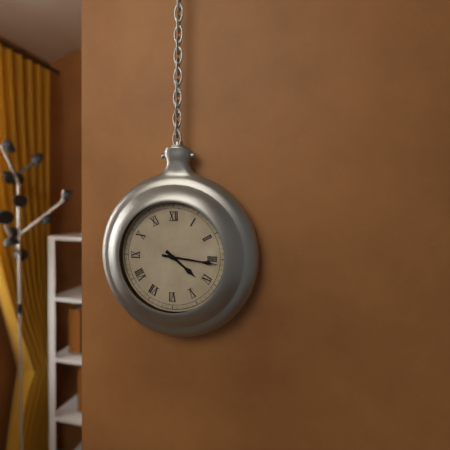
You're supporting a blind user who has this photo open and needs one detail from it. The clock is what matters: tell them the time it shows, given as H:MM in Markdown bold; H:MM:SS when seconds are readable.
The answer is **4:16**
